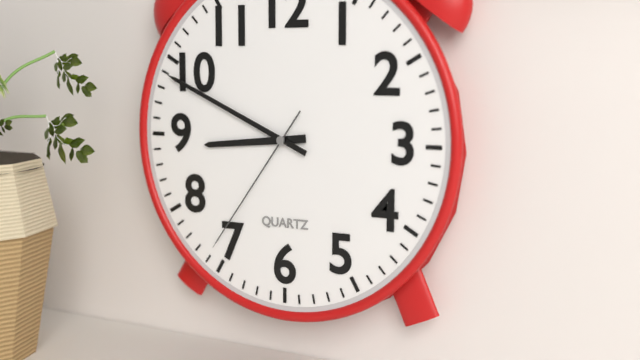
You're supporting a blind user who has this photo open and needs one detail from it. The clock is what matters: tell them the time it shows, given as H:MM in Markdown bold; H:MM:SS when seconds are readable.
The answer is **8:49:36**
